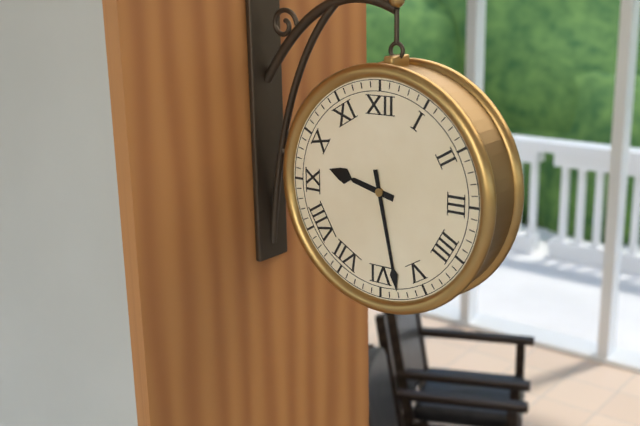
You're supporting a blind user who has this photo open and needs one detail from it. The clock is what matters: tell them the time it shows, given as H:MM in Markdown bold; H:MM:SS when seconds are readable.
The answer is **9:28**
